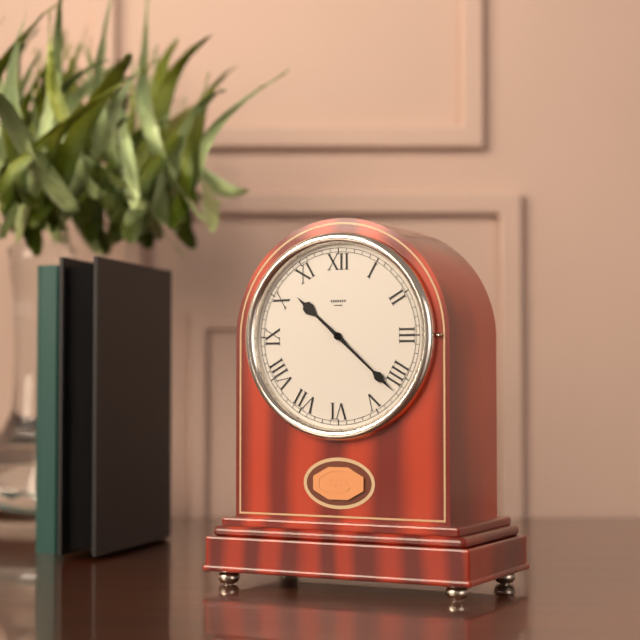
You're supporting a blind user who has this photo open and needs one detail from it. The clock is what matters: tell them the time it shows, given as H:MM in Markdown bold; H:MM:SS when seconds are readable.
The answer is **10:22**
